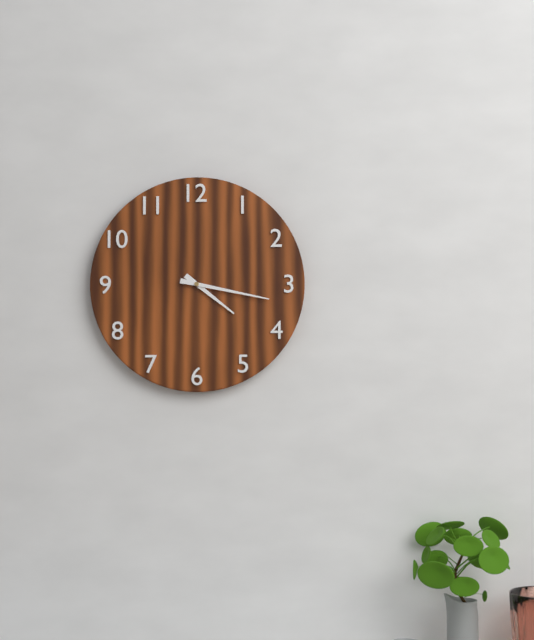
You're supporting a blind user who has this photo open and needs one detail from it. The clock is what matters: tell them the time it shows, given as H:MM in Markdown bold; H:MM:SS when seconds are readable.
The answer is **4:17**
